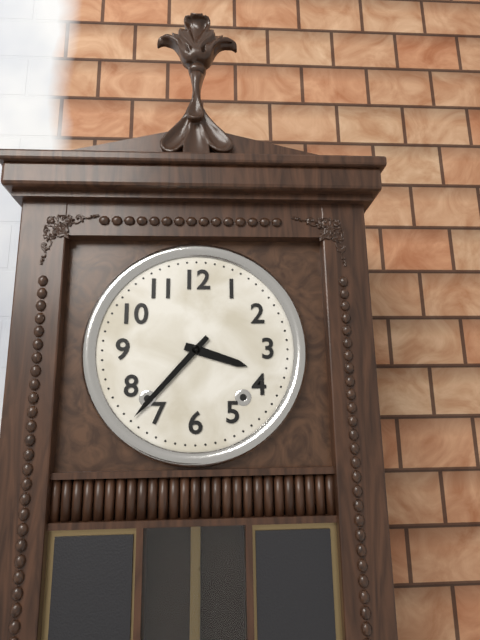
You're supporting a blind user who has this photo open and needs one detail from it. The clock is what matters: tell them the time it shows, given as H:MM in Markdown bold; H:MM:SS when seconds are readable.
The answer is **3:37**
